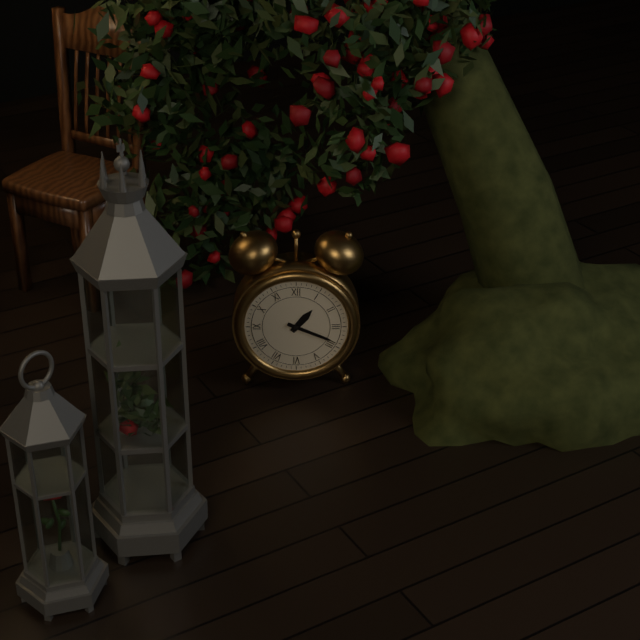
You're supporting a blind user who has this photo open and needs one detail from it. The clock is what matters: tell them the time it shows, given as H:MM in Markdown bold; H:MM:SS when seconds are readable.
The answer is **1:19**
